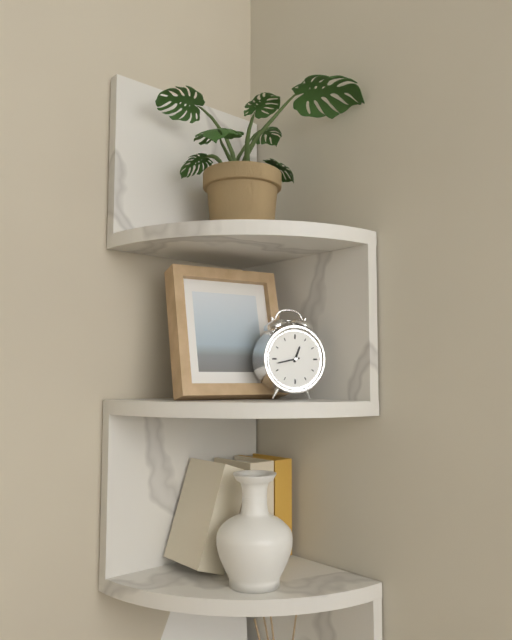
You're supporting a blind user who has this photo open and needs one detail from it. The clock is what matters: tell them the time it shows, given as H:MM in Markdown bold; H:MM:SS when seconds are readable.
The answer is **12:43**
